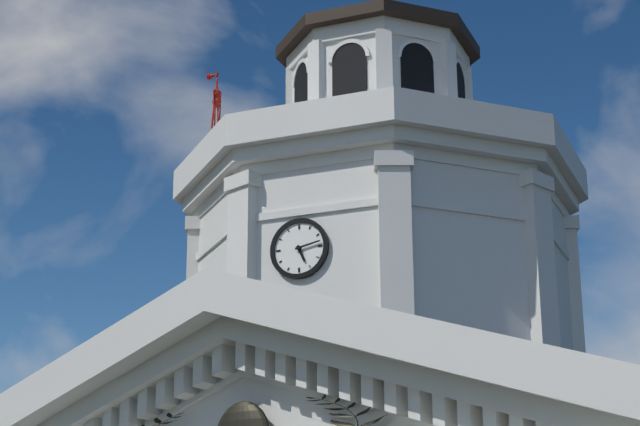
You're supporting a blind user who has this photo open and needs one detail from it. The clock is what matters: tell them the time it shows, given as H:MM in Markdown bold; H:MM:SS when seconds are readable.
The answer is **5:13**
